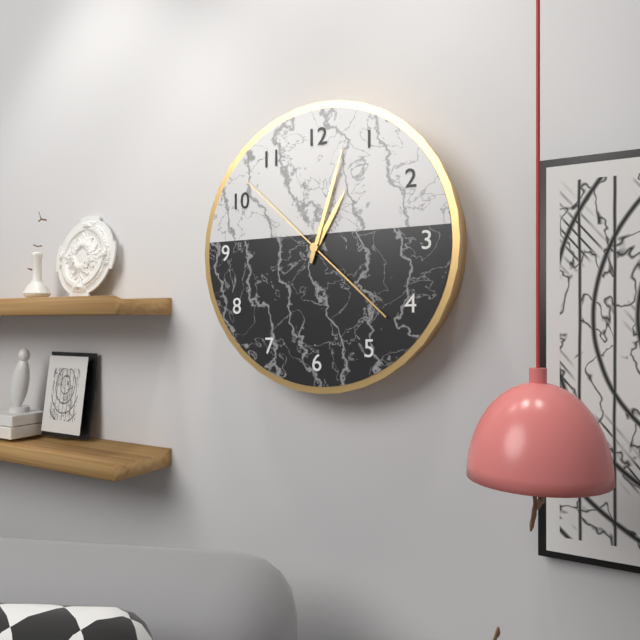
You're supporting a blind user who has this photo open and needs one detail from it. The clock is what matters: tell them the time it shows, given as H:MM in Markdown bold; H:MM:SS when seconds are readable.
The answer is **1:03:52**
